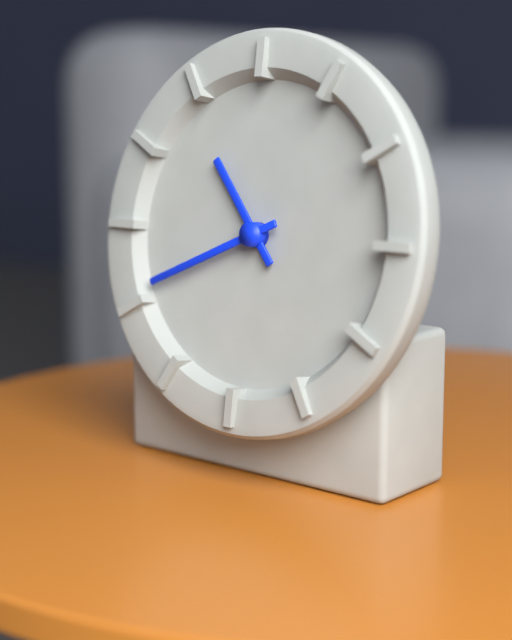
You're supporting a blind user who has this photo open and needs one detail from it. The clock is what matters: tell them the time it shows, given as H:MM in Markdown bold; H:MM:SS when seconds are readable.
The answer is **10:41**
